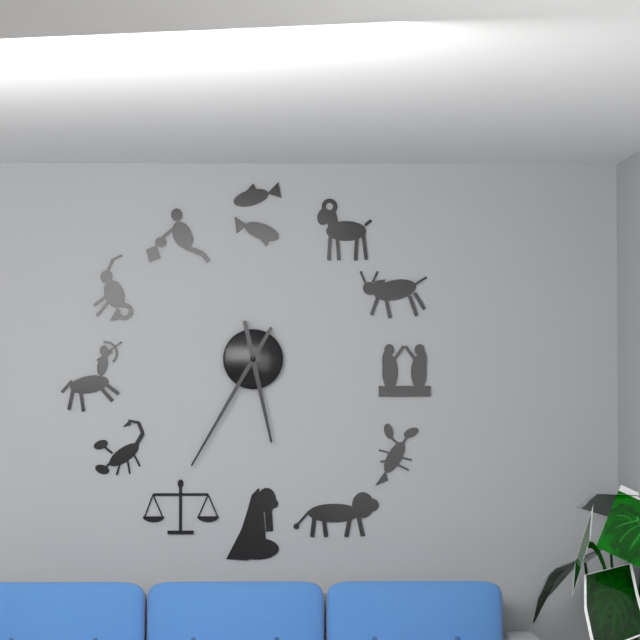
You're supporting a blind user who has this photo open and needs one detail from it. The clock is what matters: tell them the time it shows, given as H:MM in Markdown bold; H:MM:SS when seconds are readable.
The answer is **5:35**
